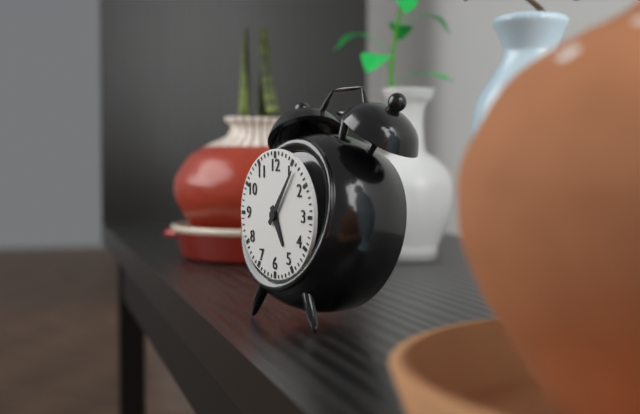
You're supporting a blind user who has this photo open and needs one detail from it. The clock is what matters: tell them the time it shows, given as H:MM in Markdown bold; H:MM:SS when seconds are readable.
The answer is **5:06**
